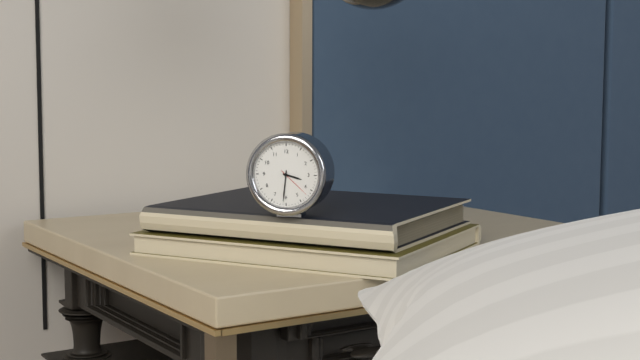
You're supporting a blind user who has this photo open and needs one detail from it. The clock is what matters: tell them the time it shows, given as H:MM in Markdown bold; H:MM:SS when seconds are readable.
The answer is **3:31**
